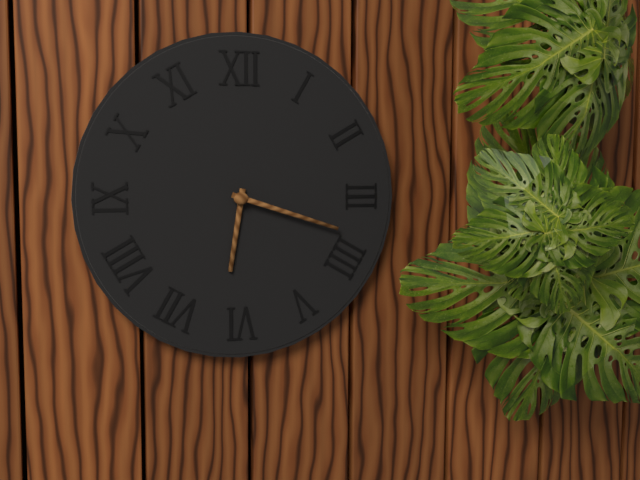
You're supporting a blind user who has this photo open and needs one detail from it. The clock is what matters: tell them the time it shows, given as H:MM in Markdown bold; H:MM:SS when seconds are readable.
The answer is **6:18**
